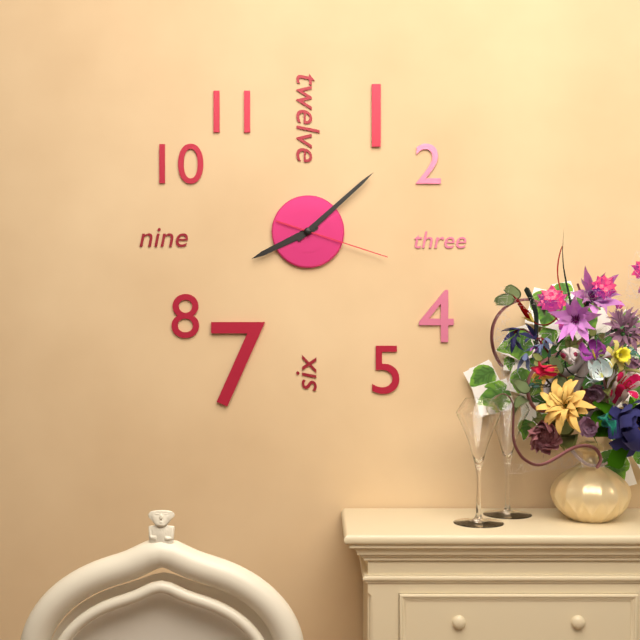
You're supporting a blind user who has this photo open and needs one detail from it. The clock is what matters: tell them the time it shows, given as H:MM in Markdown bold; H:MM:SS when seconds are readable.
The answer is **8:08:18**
